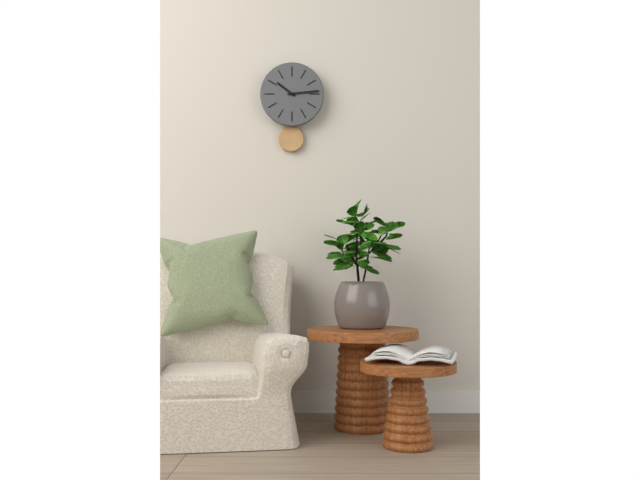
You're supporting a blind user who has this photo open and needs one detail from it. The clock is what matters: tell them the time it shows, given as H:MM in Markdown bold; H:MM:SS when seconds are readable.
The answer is **10:14**
